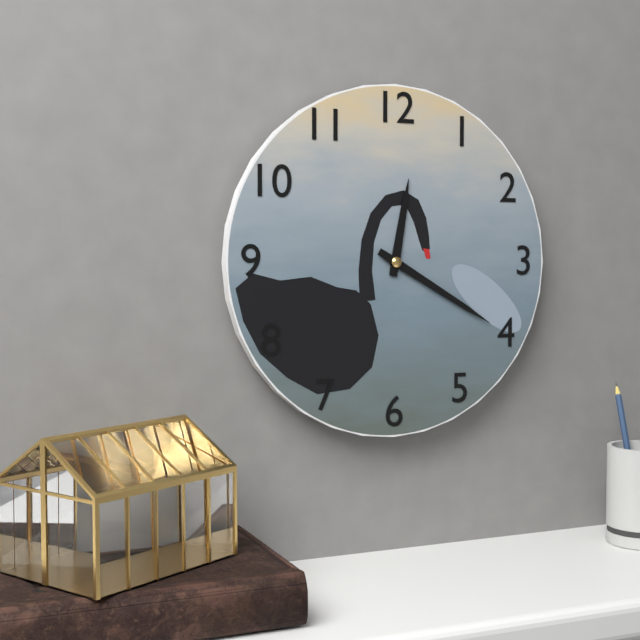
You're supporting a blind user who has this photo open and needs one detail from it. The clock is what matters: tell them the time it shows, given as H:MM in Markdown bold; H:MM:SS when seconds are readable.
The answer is **12:20**
